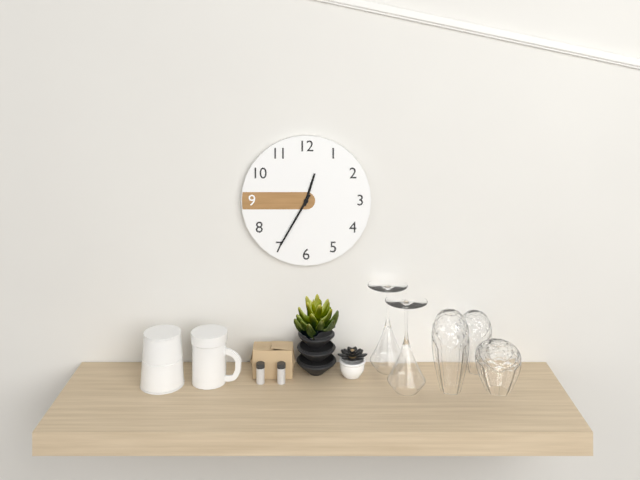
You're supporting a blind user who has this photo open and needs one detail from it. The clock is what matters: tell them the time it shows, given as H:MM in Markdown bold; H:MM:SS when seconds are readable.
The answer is **12:35**
